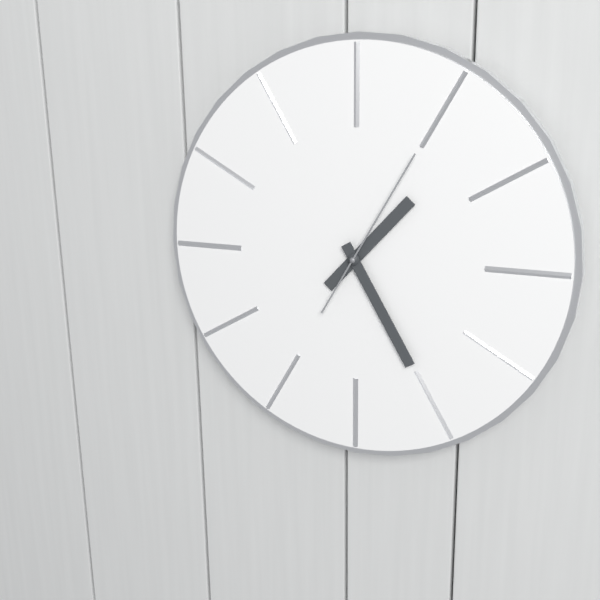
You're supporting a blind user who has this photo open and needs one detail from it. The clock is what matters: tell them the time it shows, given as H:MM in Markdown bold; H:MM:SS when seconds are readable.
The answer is **1:25:05**
